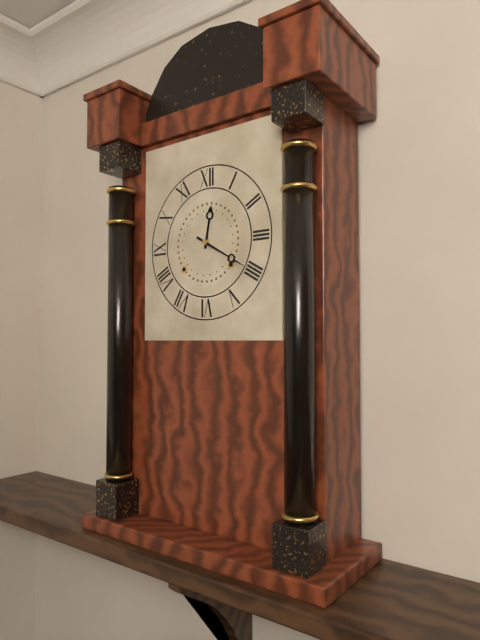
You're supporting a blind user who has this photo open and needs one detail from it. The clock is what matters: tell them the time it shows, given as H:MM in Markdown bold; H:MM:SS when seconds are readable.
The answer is **12:20**
